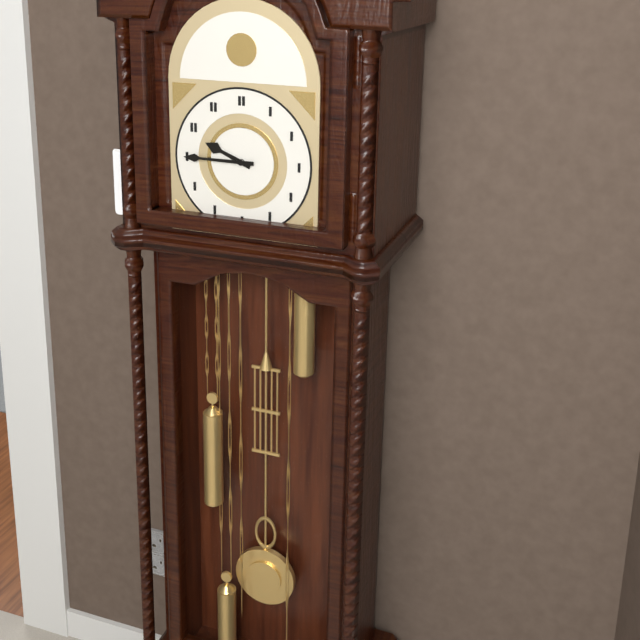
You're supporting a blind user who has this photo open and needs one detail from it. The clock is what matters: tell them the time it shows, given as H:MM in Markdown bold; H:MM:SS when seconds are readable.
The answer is **9:45**
